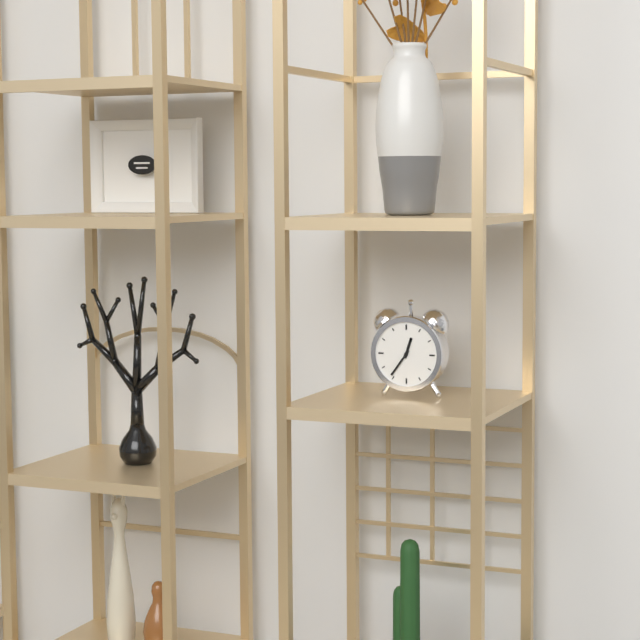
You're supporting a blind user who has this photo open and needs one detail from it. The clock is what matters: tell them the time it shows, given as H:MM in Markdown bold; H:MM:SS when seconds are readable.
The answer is **12:36**
